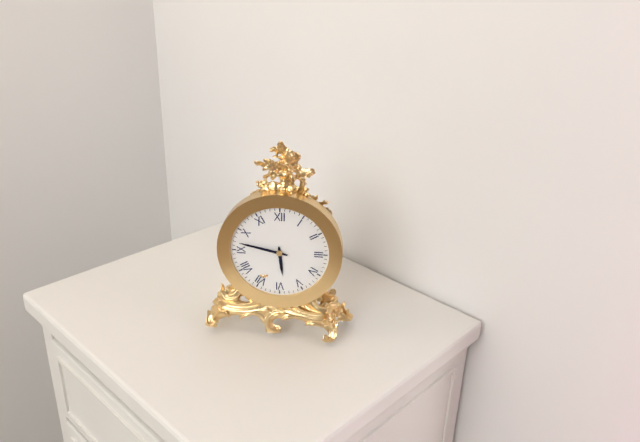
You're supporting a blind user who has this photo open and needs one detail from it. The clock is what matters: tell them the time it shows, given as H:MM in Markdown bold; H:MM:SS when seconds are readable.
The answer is **5:47**
